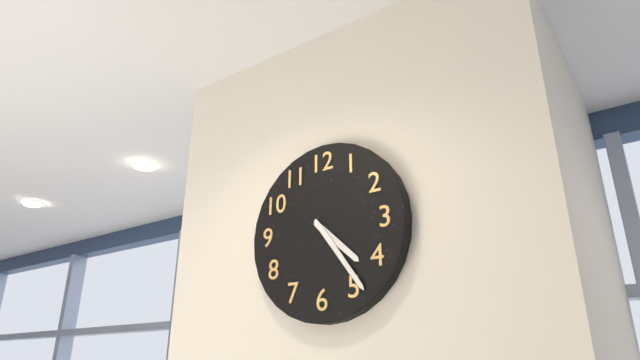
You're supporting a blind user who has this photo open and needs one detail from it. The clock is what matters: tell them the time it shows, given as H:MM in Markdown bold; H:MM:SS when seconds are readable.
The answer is **4:24**
